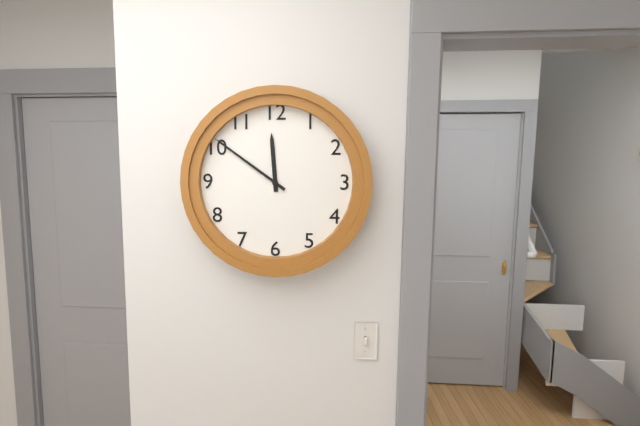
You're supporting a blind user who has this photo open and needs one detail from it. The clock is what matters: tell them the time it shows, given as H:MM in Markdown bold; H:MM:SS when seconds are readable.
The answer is **11:51**
